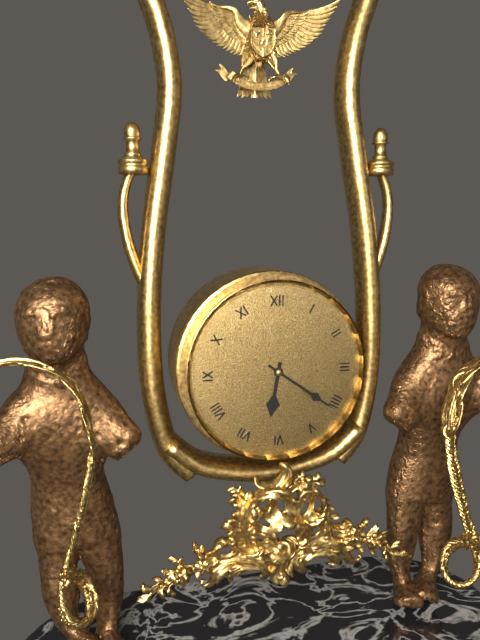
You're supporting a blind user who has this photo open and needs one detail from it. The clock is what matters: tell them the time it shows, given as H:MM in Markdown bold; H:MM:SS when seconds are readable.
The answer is **6:21**
